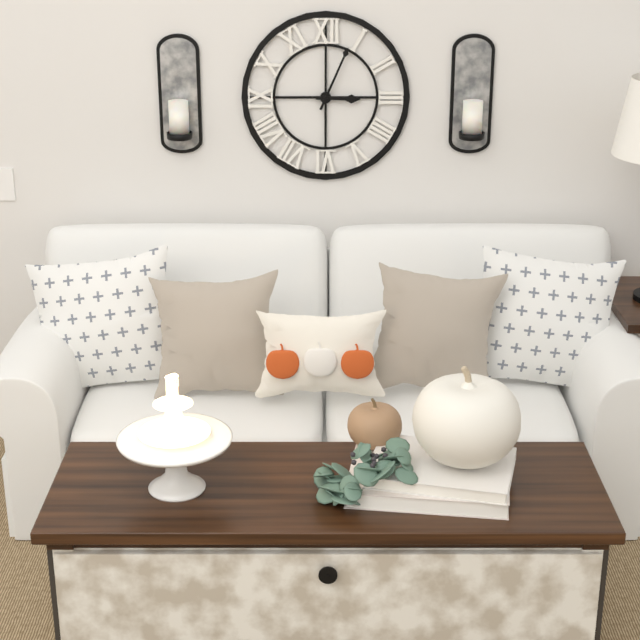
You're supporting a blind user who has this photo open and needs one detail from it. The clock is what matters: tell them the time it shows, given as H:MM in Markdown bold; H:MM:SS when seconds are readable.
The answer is **3:04**
